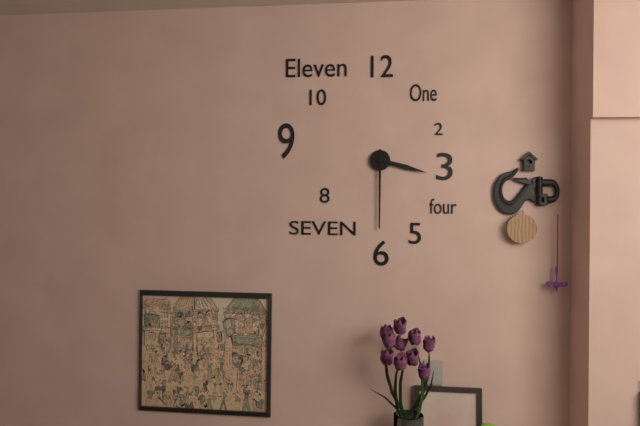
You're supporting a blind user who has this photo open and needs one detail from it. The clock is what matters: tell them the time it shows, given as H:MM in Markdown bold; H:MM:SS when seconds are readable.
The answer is **3:30**
